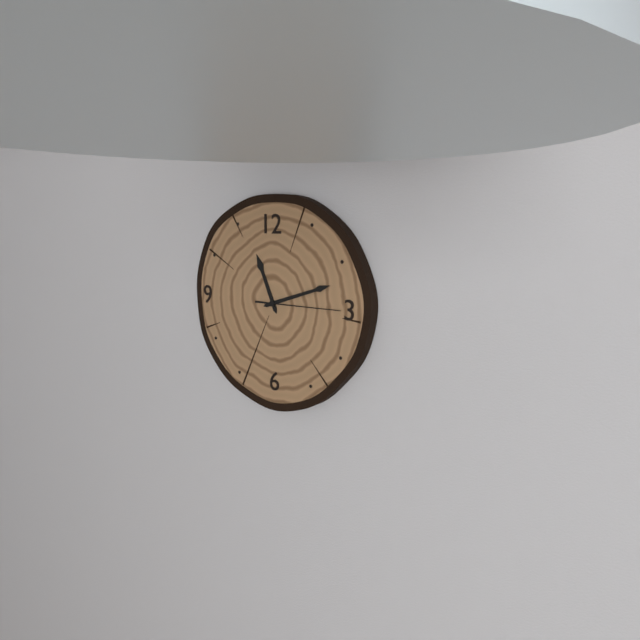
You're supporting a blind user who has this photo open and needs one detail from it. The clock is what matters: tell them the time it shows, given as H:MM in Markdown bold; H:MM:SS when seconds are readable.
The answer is **11:12:15**
